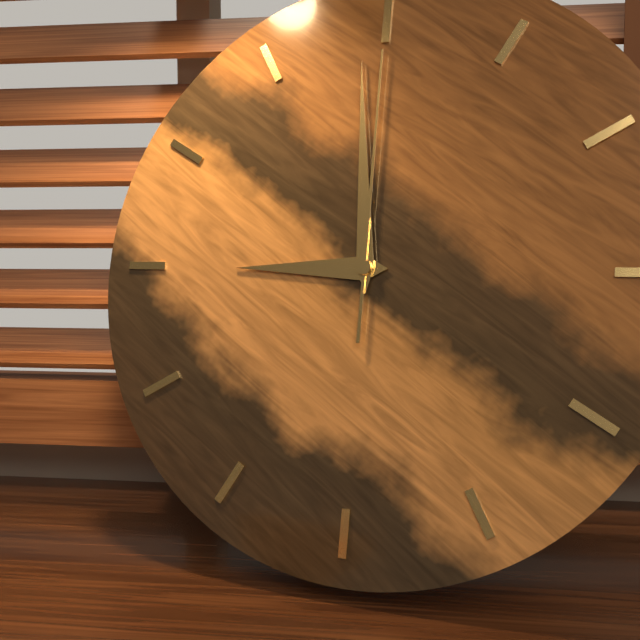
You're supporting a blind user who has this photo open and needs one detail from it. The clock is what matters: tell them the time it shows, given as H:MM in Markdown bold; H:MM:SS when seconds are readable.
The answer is **8:59:00**
